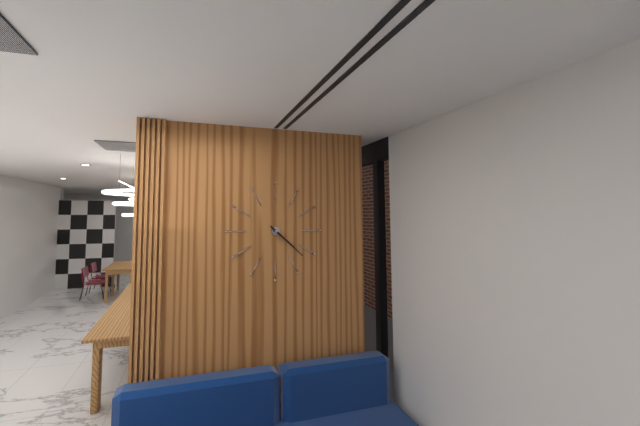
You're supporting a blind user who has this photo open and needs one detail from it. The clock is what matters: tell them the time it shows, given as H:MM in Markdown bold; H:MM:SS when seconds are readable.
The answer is **4:22**
